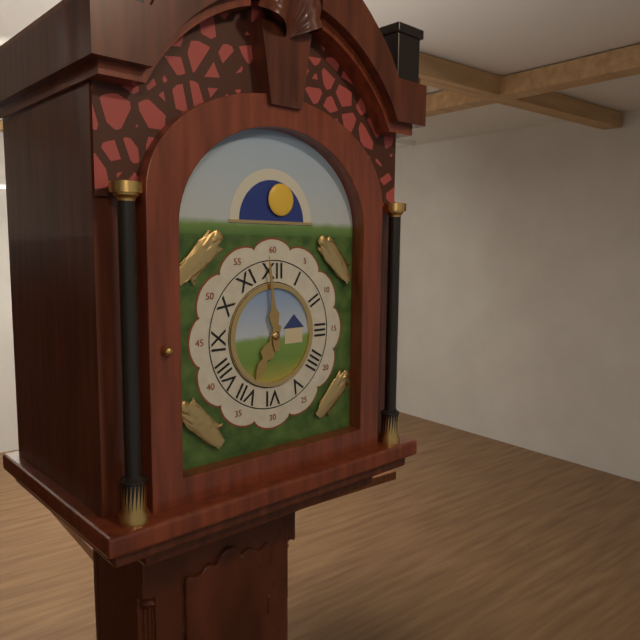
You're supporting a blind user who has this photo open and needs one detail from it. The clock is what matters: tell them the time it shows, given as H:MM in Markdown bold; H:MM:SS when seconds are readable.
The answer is **6:59**
